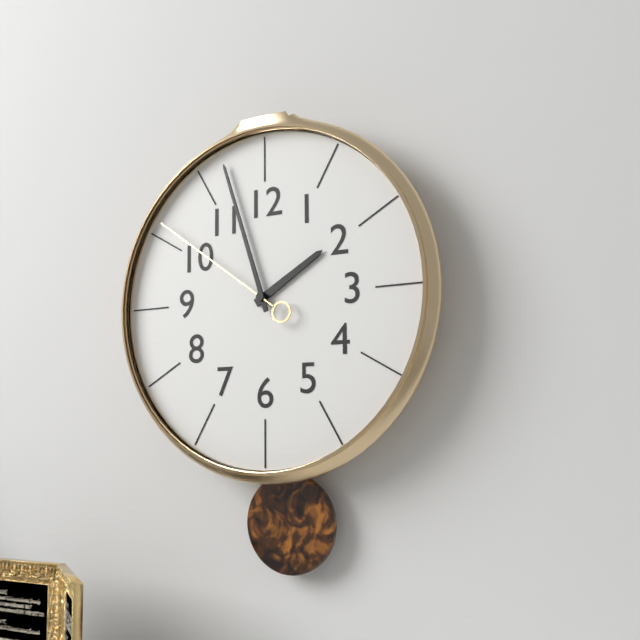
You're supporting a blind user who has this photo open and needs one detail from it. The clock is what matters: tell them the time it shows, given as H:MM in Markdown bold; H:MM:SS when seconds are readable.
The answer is **1:57:51**
